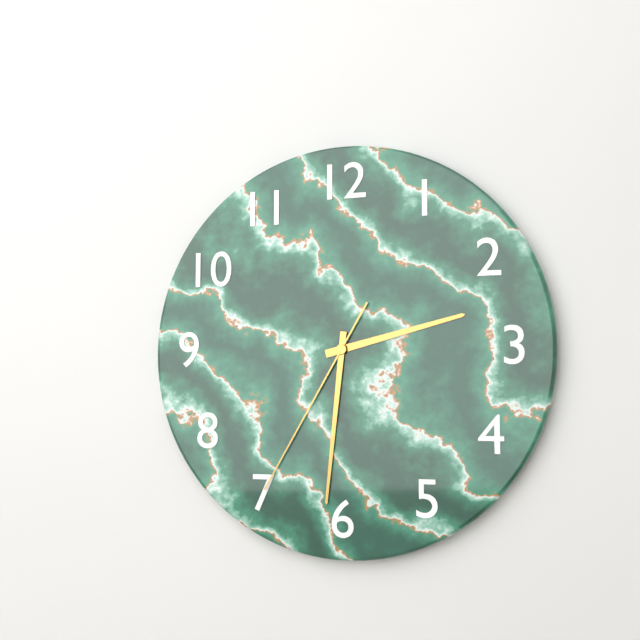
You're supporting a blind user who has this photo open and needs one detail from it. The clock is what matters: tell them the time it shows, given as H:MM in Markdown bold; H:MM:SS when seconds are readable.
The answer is **2:31:35**
